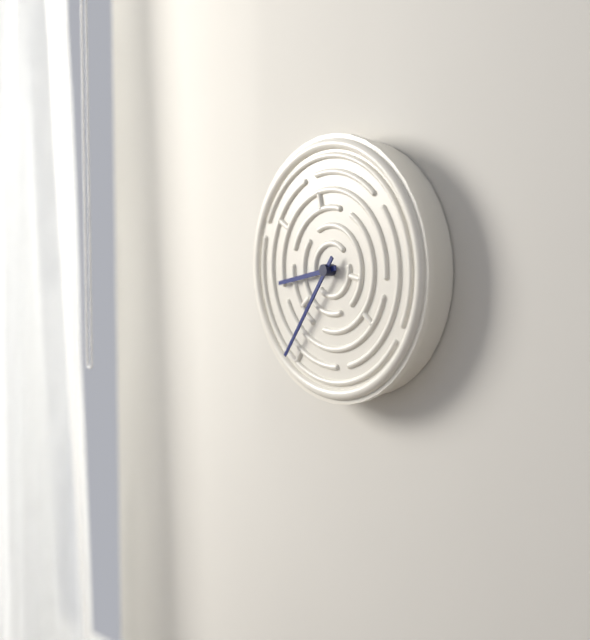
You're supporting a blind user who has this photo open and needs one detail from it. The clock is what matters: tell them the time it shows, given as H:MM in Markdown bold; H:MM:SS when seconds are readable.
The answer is **8:36**
